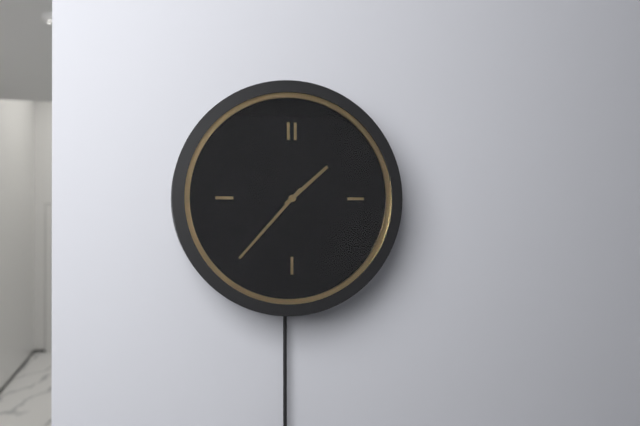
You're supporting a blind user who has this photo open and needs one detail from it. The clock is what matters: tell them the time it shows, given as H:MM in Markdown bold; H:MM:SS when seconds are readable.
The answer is **1:37**
